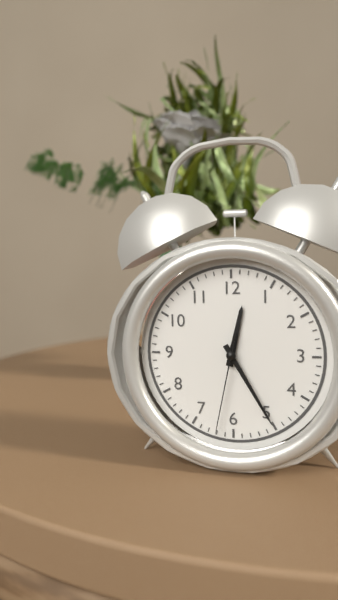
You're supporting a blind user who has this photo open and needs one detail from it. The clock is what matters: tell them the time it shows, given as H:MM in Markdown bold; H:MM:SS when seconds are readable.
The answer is **12:25:32**
